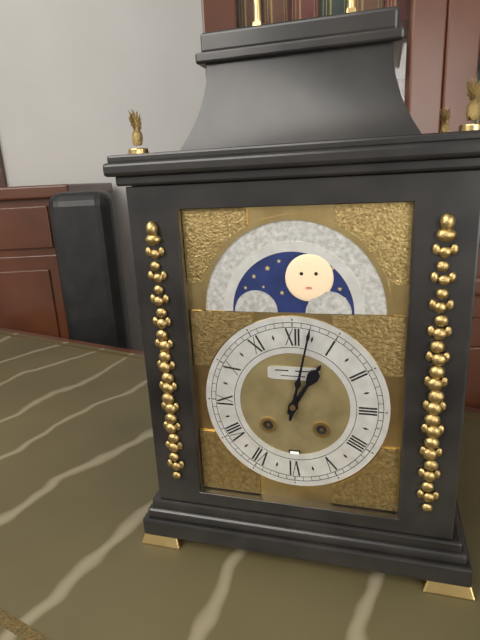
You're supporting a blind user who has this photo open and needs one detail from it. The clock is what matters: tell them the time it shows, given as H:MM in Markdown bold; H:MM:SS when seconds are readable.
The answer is **1:02**
